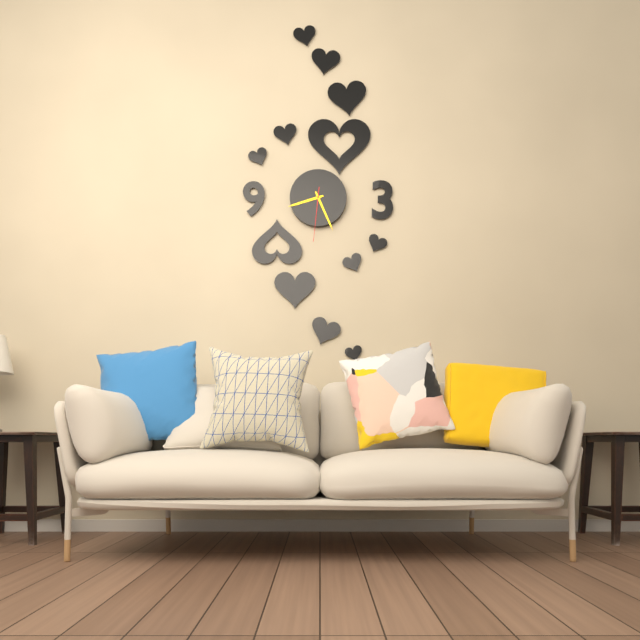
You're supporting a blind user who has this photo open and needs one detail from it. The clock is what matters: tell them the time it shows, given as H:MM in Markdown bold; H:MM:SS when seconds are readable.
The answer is **8:26:31**
